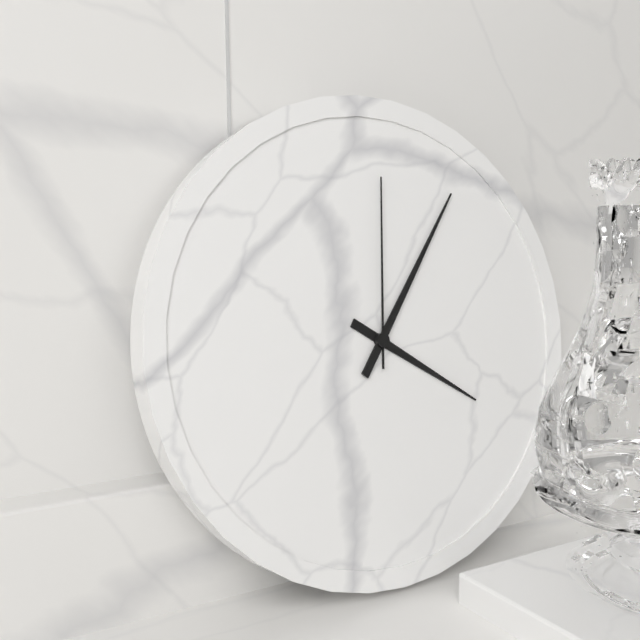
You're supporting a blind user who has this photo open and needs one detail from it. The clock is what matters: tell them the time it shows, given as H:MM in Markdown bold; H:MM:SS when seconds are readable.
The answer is **4:06:01**
